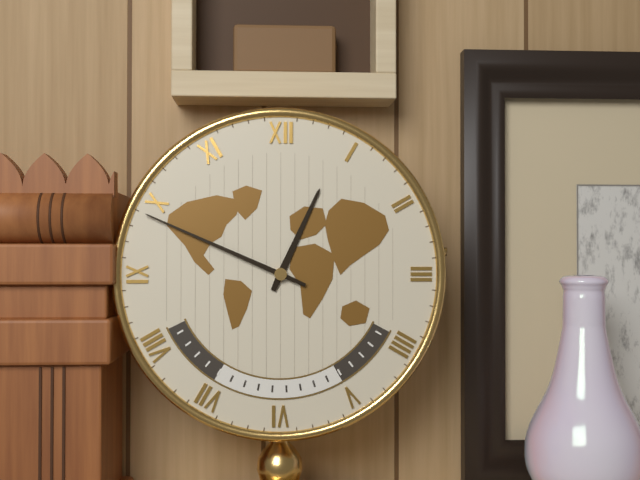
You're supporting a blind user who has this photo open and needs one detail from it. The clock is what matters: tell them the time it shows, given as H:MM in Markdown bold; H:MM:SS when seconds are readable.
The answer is **12:49**
